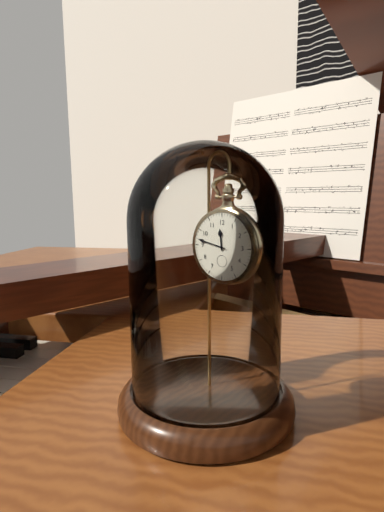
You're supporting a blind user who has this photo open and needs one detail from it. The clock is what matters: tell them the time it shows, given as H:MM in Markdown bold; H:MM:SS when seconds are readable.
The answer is **11:47**
